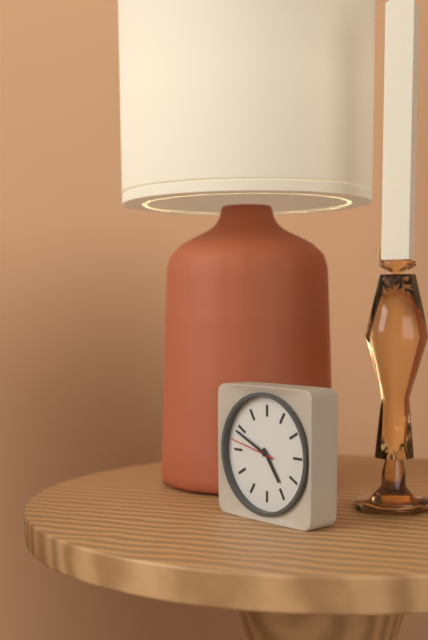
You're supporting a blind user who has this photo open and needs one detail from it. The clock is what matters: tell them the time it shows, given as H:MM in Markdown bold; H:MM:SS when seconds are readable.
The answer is **4:49**
